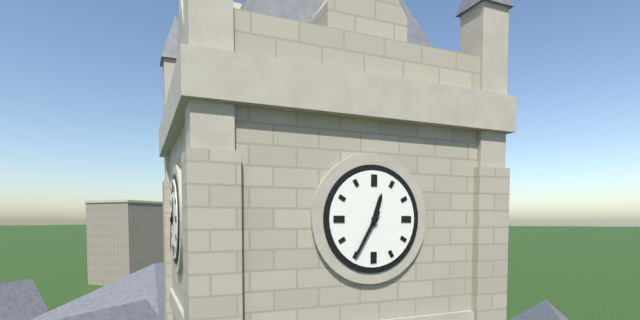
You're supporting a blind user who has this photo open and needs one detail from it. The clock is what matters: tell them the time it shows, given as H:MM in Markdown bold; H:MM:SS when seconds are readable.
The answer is **12:35**
